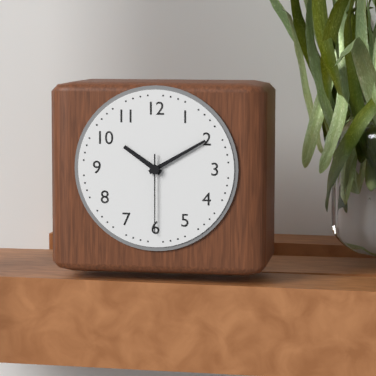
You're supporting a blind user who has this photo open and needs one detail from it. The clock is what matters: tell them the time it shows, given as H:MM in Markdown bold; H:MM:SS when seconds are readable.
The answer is **10:10:30**
